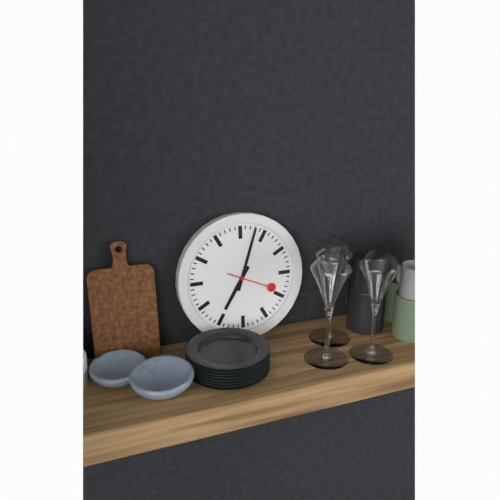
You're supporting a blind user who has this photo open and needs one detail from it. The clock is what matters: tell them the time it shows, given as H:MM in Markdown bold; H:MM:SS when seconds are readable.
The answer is **7:03**
